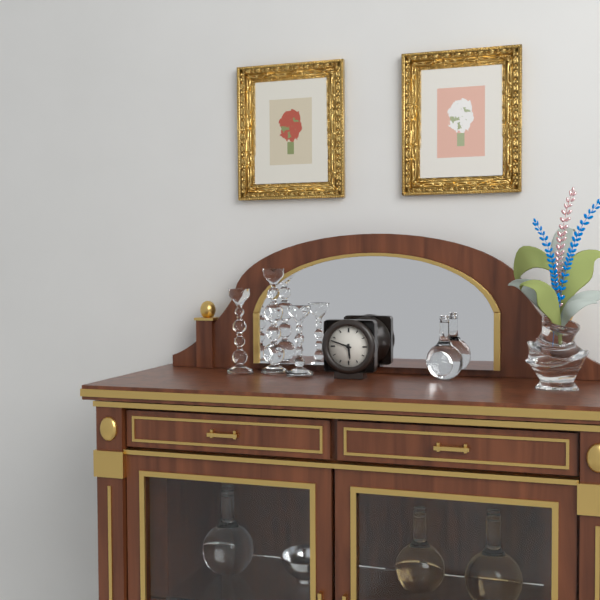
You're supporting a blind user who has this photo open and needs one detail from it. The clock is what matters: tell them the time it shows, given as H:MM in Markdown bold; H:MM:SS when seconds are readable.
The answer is **5:48**
